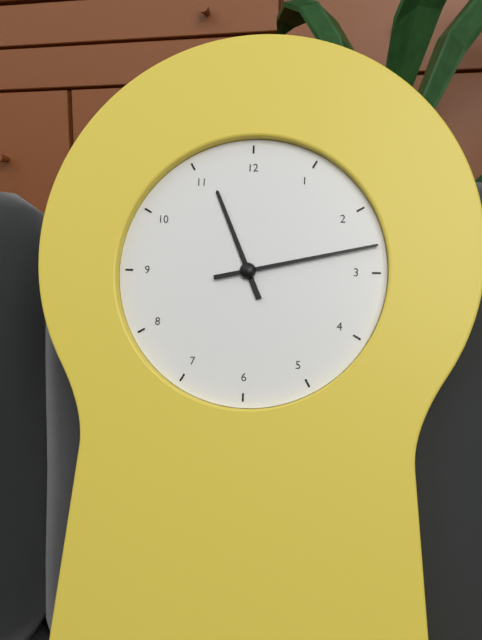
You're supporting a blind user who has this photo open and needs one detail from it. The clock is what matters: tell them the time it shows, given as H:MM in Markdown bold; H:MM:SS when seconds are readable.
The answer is **11:13**
